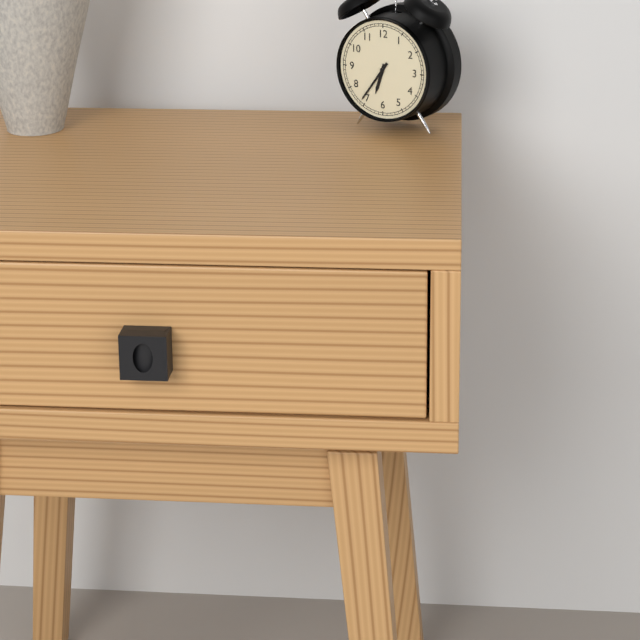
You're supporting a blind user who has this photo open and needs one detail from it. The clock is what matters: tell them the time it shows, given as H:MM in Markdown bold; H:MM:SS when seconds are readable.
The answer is **6:36**
